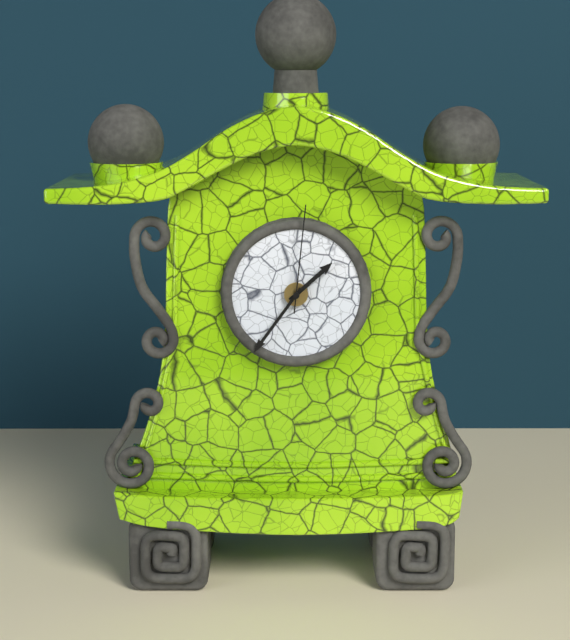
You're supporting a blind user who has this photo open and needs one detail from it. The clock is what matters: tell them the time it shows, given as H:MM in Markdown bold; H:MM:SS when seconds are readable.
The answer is **1:36:01**
